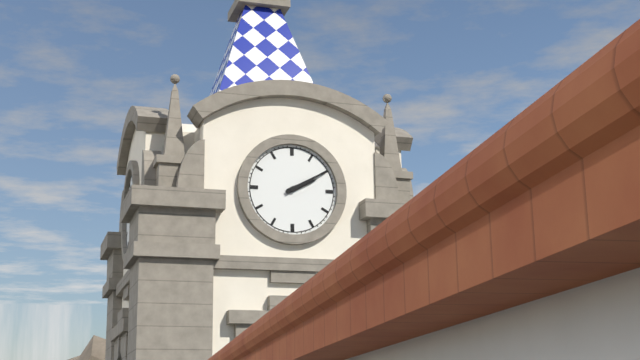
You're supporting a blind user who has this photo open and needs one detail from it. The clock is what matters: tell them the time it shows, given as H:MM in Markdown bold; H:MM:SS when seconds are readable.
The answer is **2:10**
